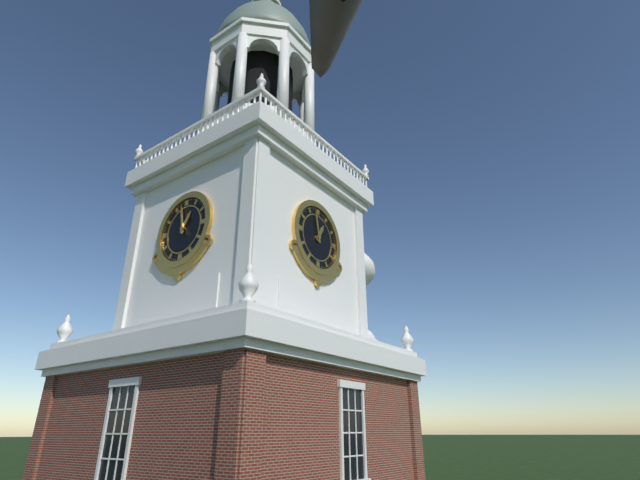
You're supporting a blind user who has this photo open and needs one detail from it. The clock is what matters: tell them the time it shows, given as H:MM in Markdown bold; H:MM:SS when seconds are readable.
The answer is **12:58**
